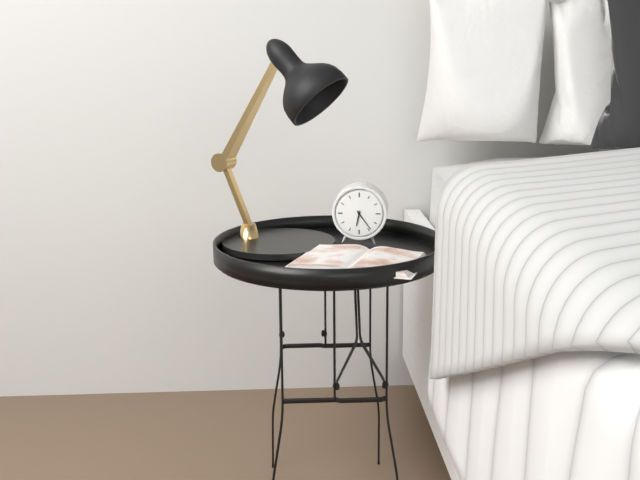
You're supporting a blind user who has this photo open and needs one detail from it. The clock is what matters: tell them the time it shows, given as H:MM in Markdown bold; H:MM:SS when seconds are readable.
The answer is **6:24**
